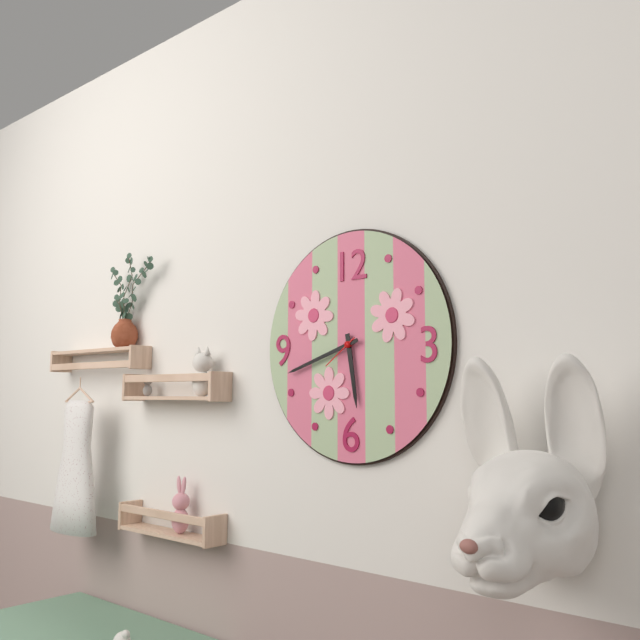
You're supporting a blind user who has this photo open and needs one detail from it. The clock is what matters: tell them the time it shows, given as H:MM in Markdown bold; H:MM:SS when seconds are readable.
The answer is **5:42**
